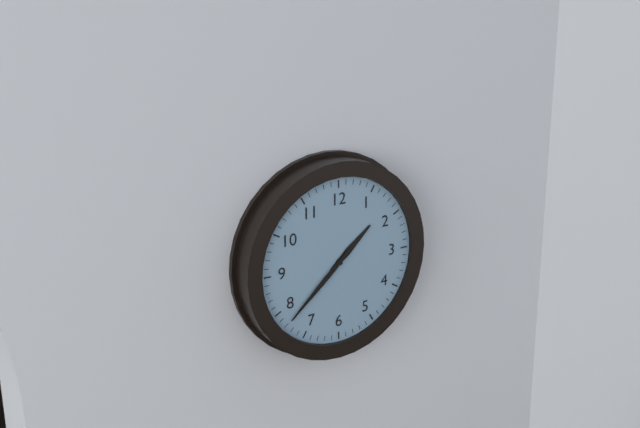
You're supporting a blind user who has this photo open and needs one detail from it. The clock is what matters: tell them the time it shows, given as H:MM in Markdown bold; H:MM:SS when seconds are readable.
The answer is **1:38**
